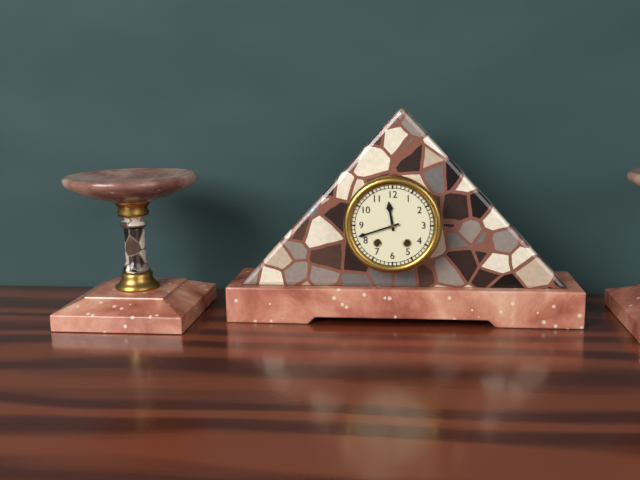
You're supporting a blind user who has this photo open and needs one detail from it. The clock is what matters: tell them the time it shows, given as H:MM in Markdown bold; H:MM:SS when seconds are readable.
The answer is **11:42**
